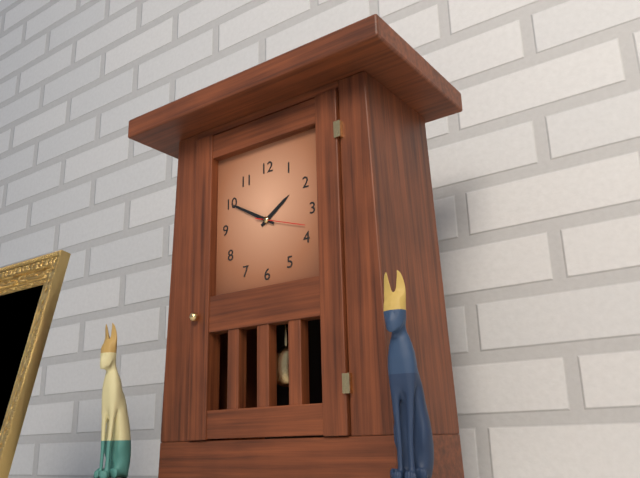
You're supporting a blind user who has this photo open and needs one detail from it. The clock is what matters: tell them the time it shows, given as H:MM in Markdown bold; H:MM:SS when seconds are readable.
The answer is **1:50**
